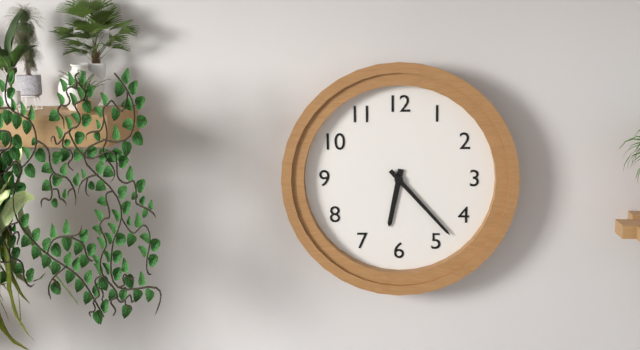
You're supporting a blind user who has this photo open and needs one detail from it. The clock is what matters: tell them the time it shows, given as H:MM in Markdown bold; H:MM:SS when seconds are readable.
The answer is **6:23**
